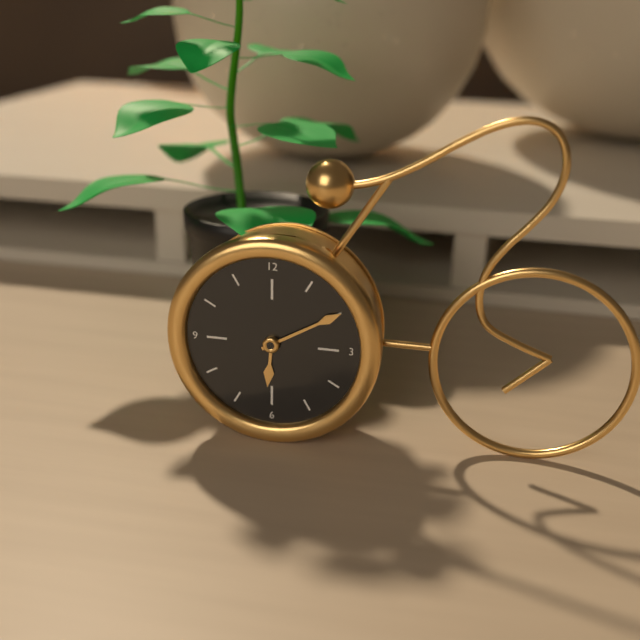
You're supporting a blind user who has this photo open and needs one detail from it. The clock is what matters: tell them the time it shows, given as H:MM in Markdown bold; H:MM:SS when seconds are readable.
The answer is **6:10**
